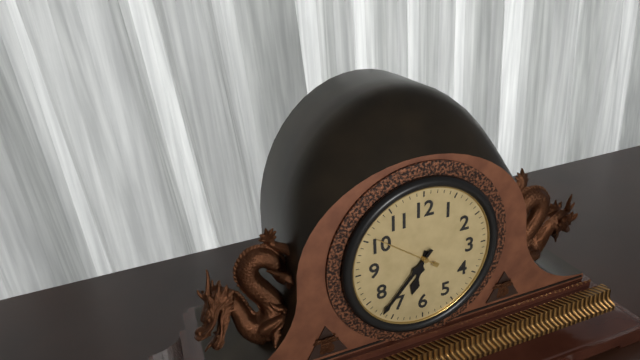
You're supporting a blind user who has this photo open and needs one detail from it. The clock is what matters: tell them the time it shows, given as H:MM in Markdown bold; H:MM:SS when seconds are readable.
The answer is **6:37**
